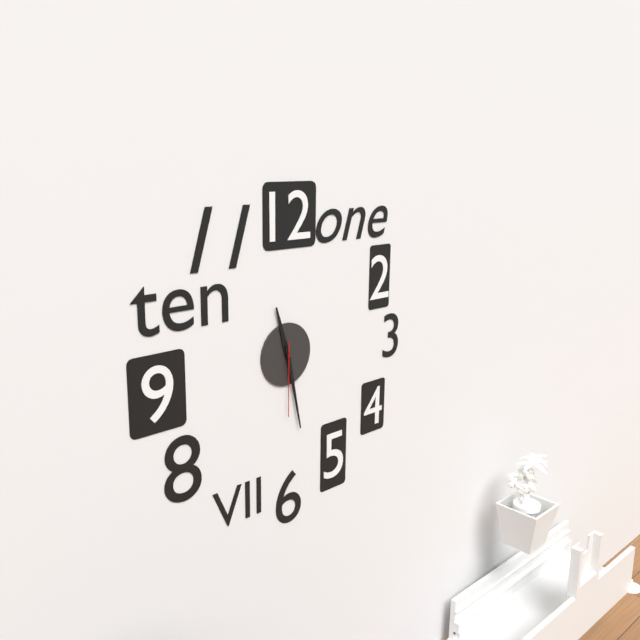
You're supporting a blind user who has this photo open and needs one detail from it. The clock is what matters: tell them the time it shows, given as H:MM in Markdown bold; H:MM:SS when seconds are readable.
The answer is **11:28:30**
